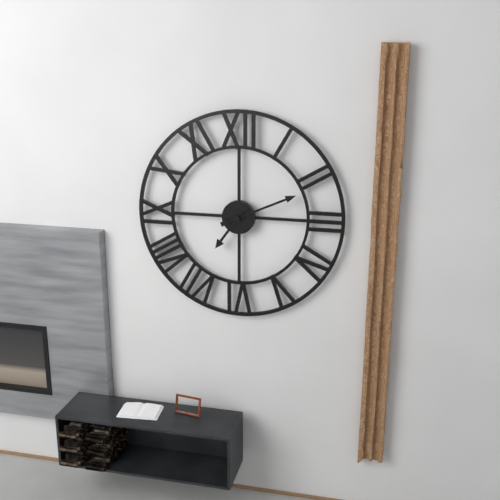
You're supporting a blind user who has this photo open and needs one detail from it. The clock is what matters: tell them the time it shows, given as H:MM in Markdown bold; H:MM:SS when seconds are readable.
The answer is **7:11**
